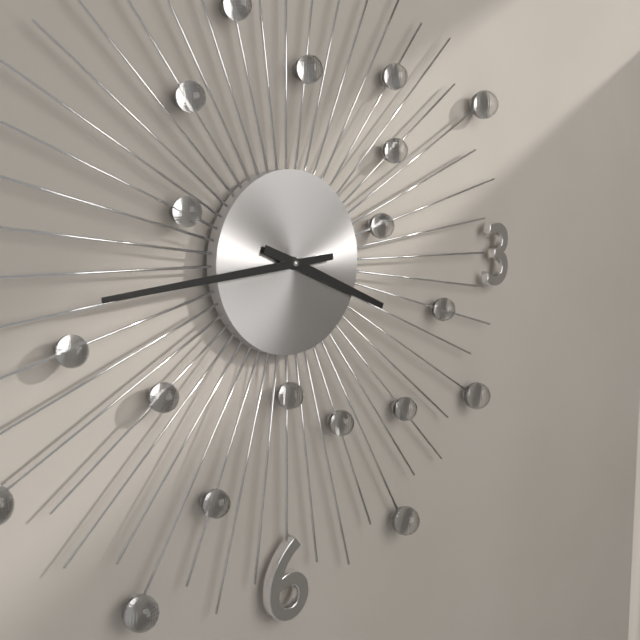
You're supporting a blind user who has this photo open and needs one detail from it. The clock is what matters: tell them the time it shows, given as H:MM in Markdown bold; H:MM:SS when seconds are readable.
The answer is **3:44**
